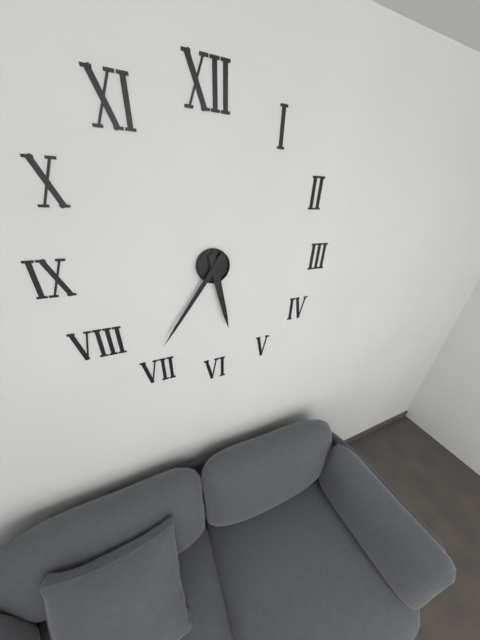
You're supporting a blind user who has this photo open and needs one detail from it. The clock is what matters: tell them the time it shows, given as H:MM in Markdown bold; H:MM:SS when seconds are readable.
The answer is **5:36**
